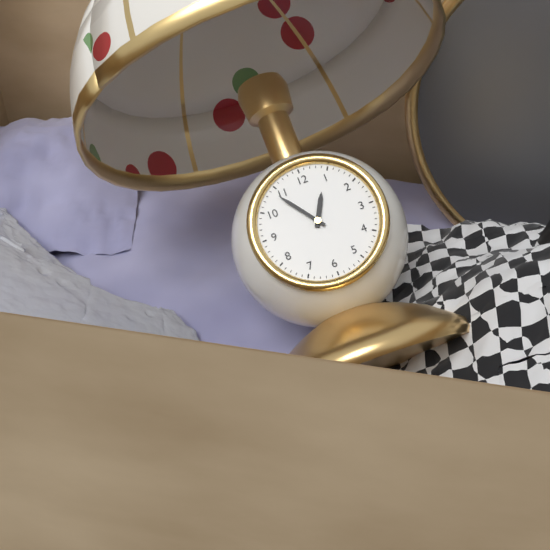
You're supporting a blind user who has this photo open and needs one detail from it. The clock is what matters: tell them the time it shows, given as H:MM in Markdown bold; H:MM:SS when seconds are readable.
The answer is **12:54**
